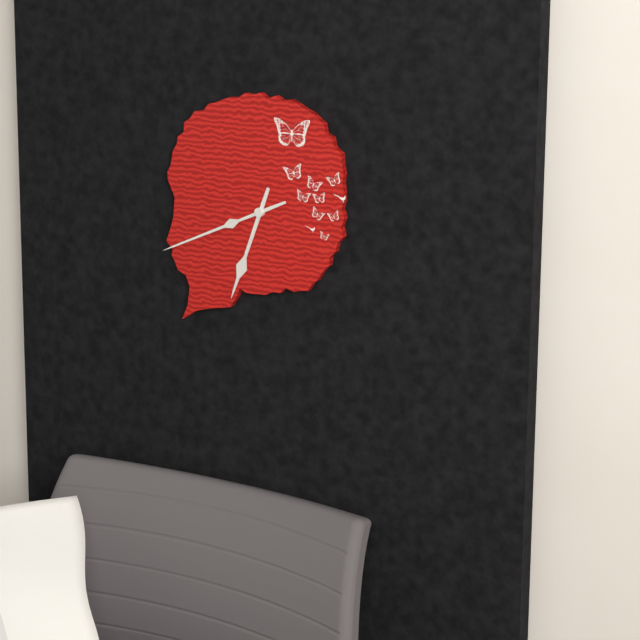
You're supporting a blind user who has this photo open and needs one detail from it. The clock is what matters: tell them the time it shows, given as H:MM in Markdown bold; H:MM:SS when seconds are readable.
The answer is **6:41**
